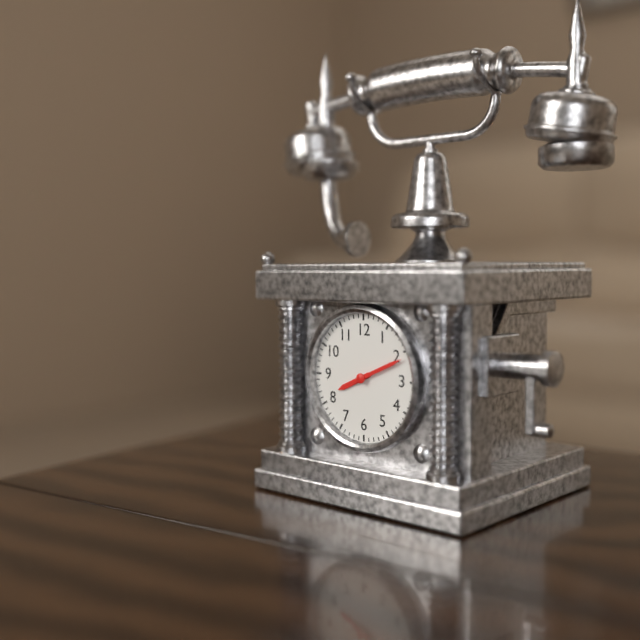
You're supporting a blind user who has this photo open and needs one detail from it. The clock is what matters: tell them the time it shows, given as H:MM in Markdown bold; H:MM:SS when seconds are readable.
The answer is **8:11**
